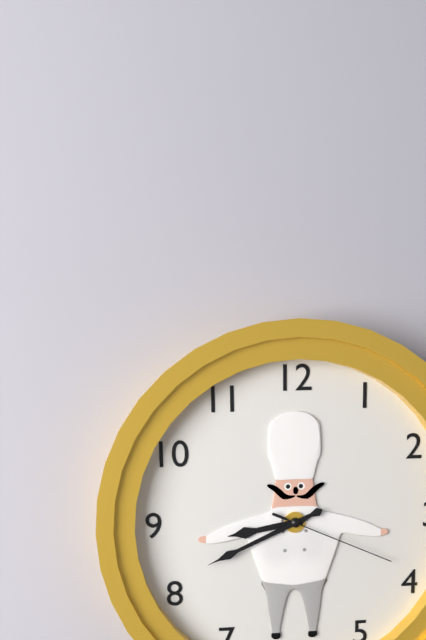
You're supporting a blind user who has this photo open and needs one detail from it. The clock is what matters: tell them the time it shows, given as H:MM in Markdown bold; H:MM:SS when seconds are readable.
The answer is **8:41:19**
